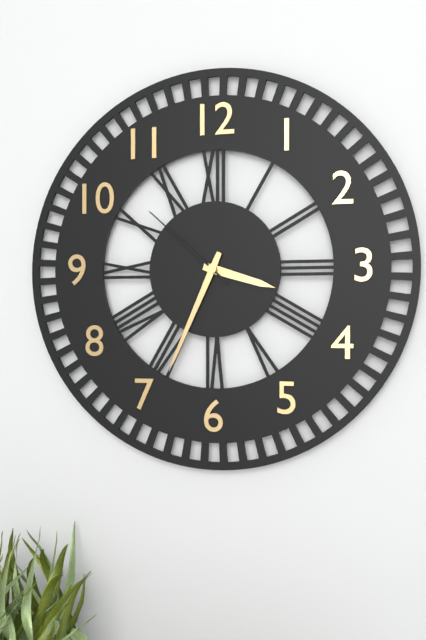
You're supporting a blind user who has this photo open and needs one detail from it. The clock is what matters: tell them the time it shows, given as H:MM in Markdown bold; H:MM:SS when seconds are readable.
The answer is **3:34:52**
